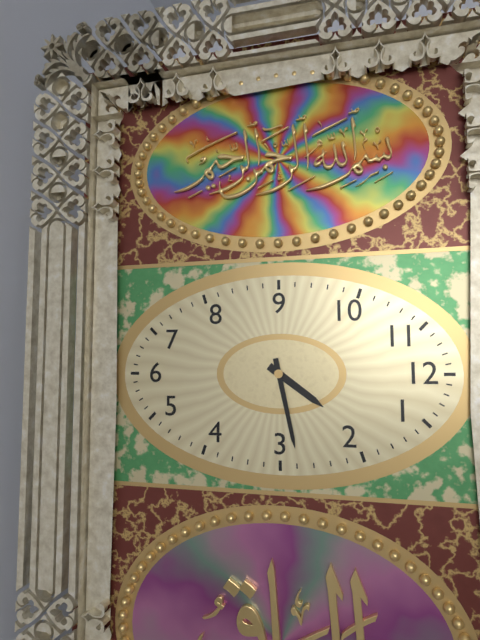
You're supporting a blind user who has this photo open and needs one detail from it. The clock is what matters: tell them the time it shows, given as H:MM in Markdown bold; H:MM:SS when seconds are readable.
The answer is **1:13**
